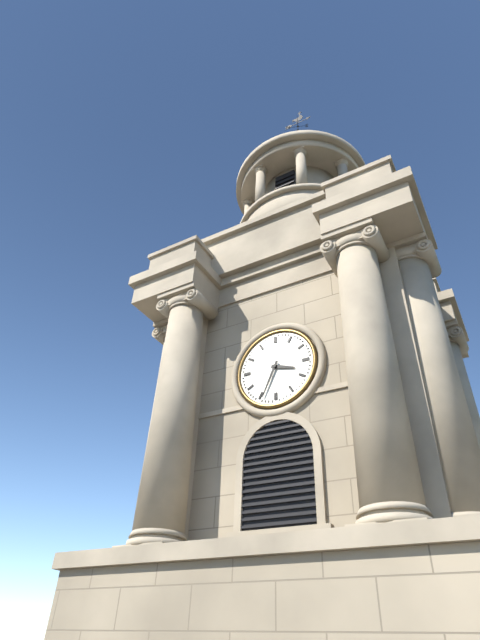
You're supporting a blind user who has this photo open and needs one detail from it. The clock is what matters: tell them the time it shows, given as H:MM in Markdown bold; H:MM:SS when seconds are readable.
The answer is **3:34**
